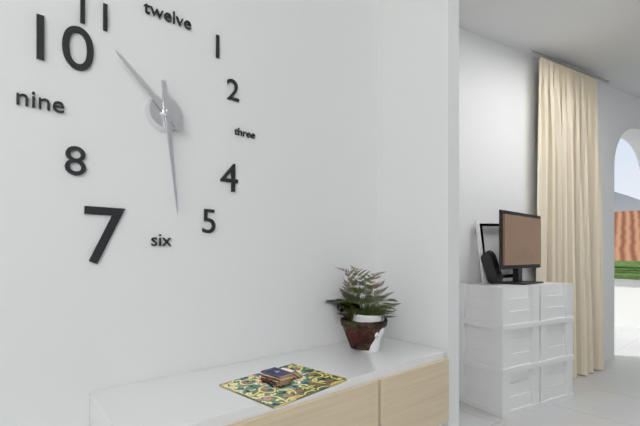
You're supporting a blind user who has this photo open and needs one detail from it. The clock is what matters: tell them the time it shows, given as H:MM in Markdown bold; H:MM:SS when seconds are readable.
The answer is **10:29**
